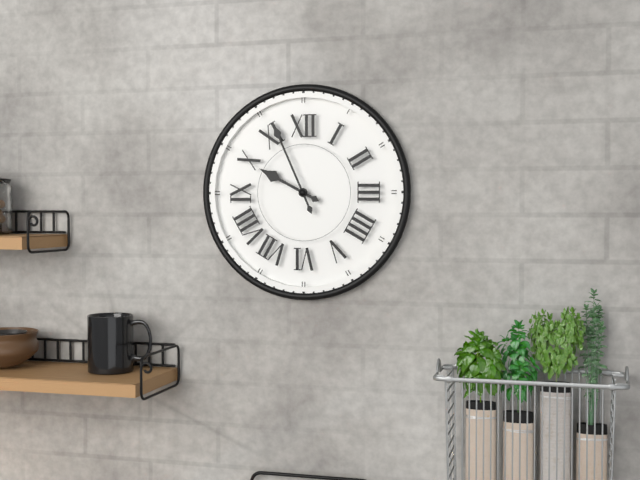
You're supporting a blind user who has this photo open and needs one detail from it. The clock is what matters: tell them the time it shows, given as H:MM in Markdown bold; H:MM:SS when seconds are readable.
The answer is **9:56**
